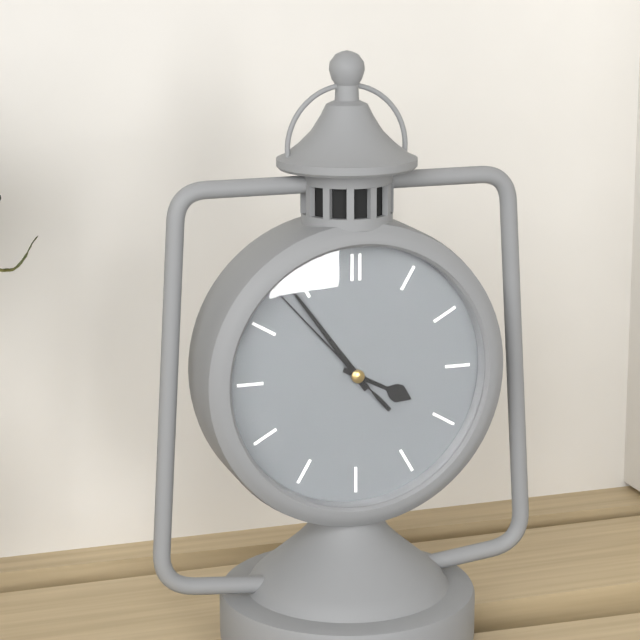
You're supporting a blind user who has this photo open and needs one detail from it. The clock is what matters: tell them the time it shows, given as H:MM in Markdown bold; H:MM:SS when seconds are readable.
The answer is **3:54:53**
